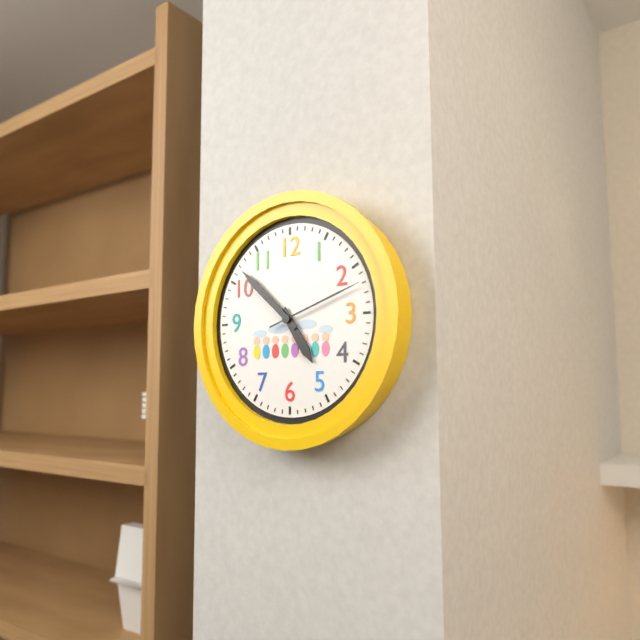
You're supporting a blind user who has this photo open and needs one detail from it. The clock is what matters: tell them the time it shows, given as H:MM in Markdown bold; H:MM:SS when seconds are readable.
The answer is **4:52:12**
